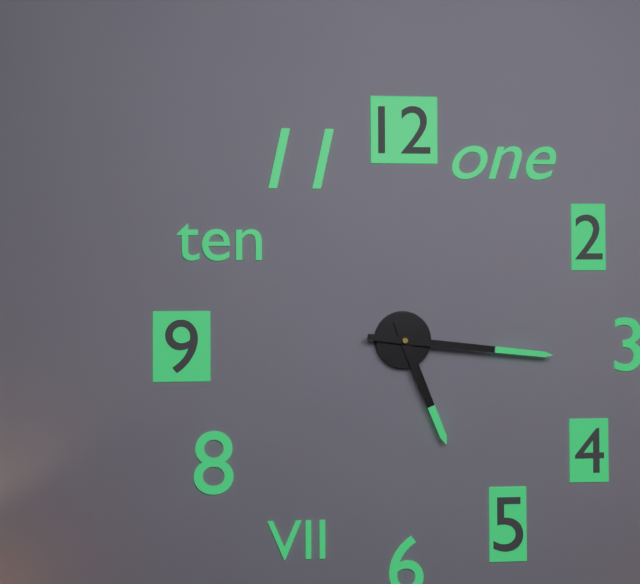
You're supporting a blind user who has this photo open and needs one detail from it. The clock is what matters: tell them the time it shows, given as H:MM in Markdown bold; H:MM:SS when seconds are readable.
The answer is **5:16**
